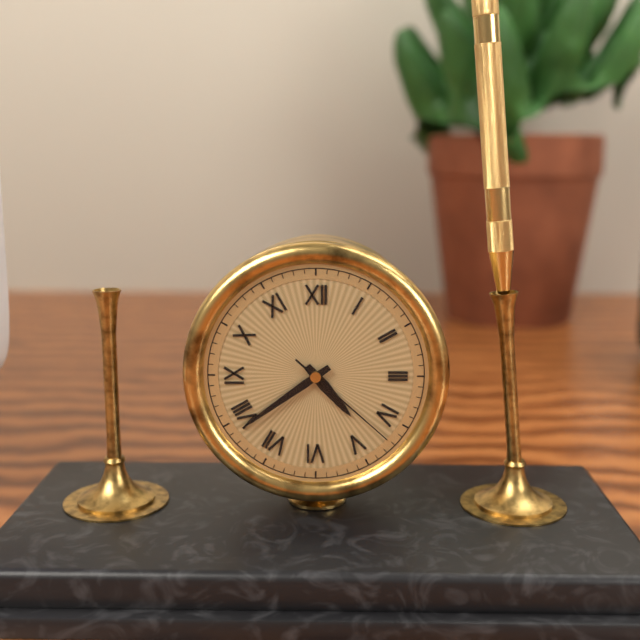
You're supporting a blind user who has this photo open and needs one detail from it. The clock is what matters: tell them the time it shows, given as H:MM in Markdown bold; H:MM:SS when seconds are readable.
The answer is **4:39:22**
